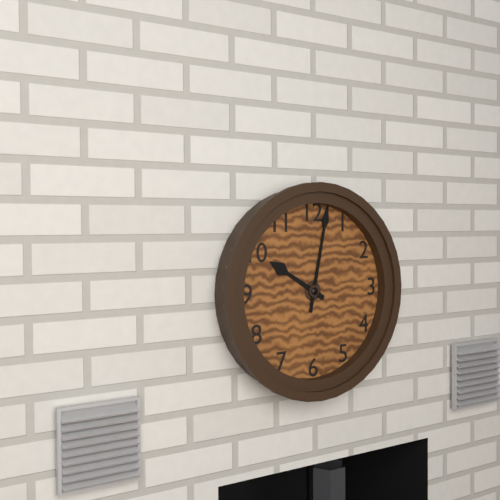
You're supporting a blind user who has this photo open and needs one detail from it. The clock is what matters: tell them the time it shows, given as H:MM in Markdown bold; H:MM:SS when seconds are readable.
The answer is **10:02**
